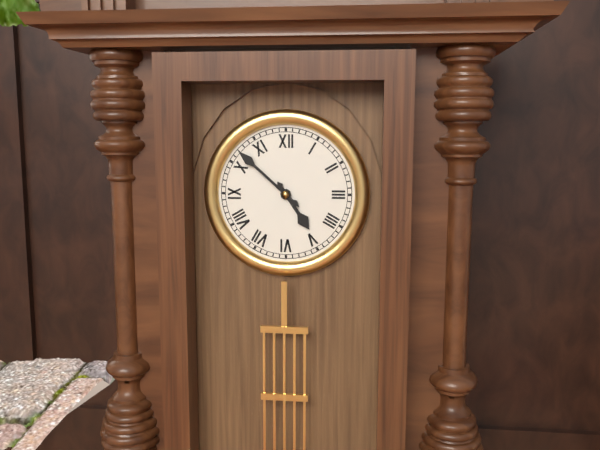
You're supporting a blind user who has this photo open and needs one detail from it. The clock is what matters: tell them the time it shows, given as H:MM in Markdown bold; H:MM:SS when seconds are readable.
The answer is **4:52**
